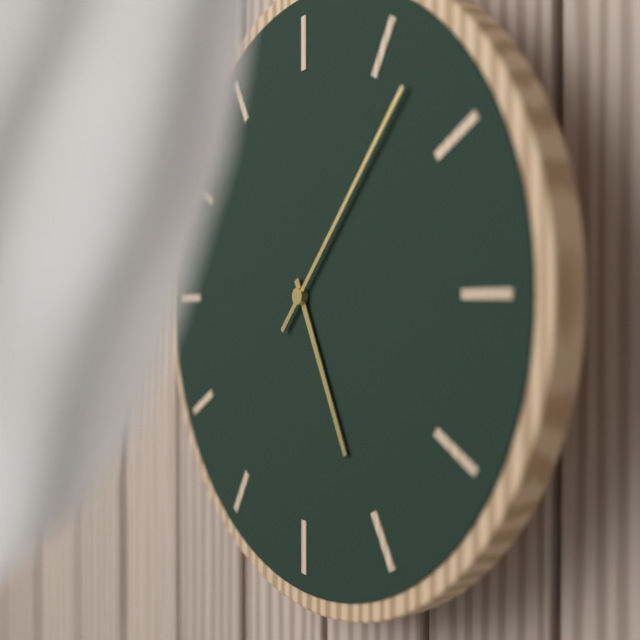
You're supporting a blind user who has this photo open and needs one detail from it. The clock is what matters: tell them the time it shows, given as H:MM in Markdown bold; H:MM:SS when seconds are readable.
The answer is **5:07**
